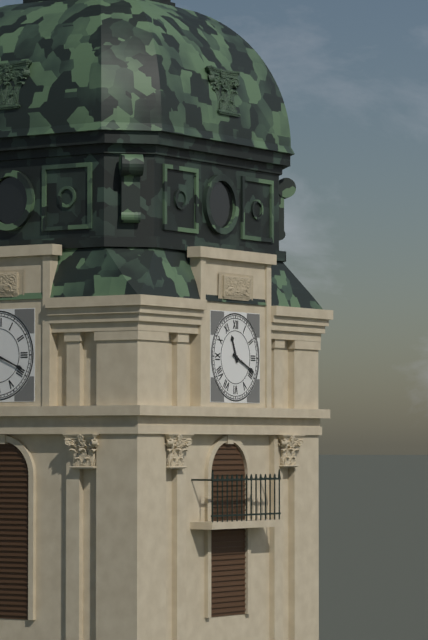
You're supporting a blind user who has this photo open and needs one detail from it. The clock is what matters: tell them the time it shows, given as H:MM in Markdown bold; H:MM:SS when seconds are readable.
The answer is **11:19**
